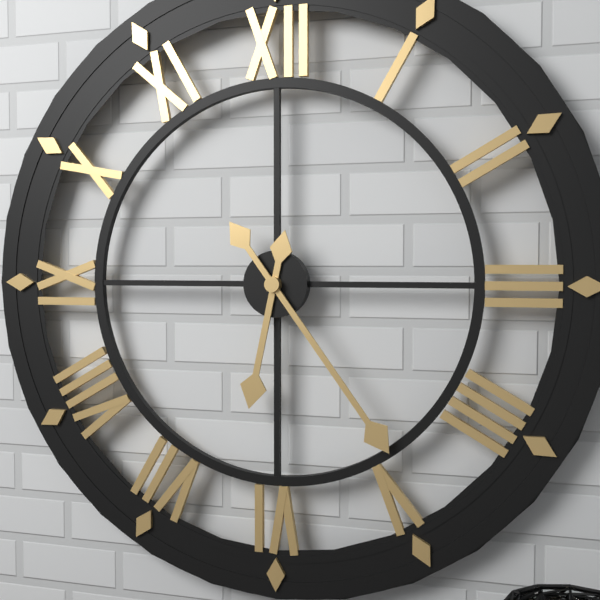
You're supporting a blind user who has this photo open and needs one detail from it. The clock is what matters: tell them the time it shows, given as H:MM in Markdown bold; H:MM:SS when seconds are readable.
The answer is **6:24**
